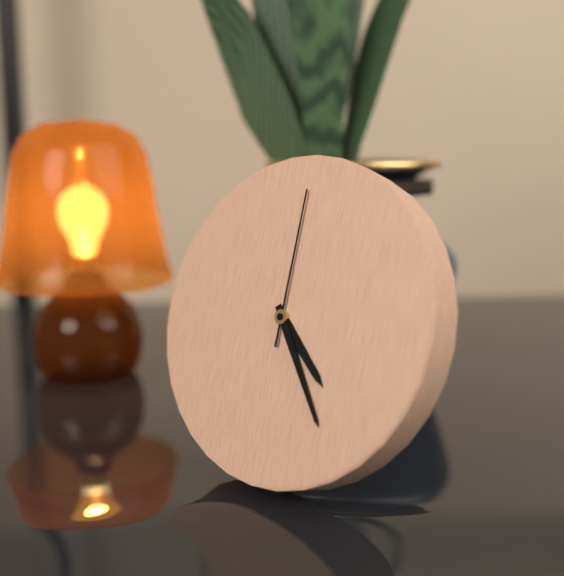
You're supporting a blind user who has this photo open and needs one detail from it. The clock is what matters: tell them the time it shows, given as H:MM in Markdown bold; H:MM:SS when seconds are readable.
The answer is **4:24:00**
